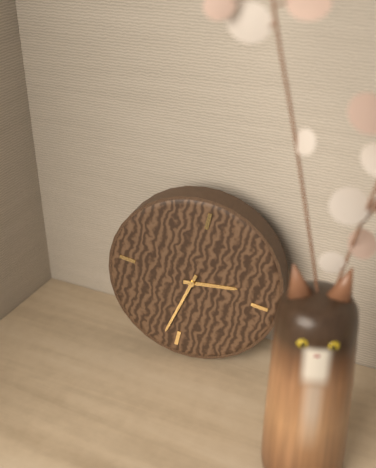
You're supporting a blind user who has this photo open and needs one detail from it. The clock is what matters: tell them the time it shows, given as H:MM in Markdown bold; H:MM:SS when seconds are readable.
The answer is **2:32**
